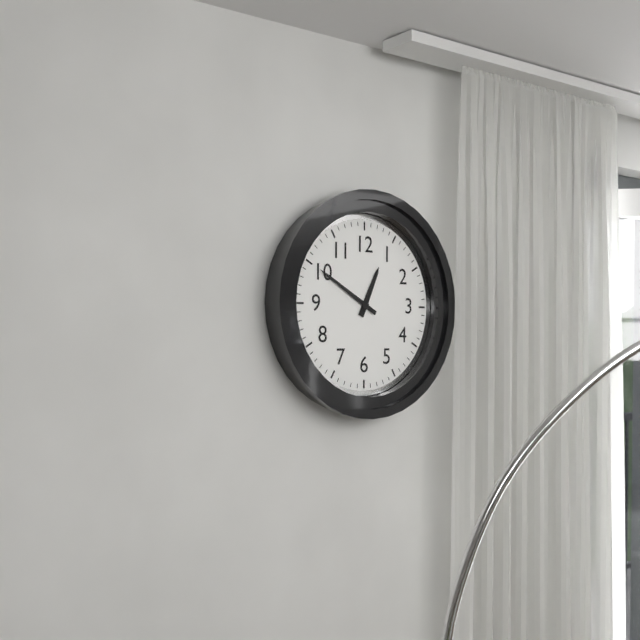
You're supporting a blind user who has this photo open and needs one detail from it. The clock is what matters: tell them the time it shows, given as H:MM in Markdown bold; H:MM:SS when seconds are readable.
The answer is **12:50**
